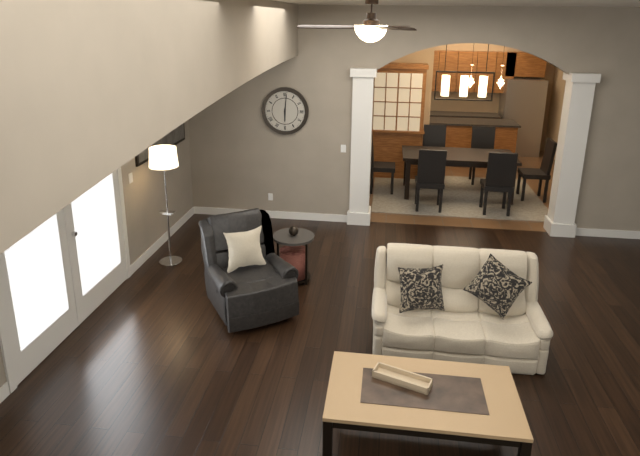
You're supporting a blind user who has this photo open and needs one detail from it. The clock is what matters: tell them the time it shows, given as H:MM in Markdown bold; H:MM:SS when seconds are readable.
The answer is **6:01**
